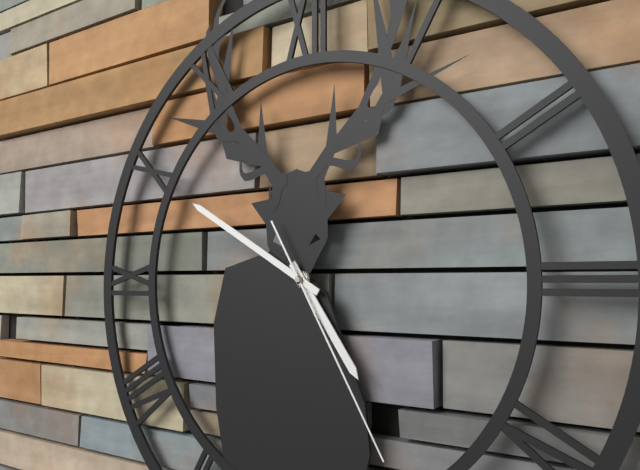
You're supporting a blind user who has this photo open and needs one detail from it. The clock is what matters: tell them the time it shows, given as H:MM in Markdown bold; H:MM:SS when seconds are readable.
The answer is **4:50:25**
